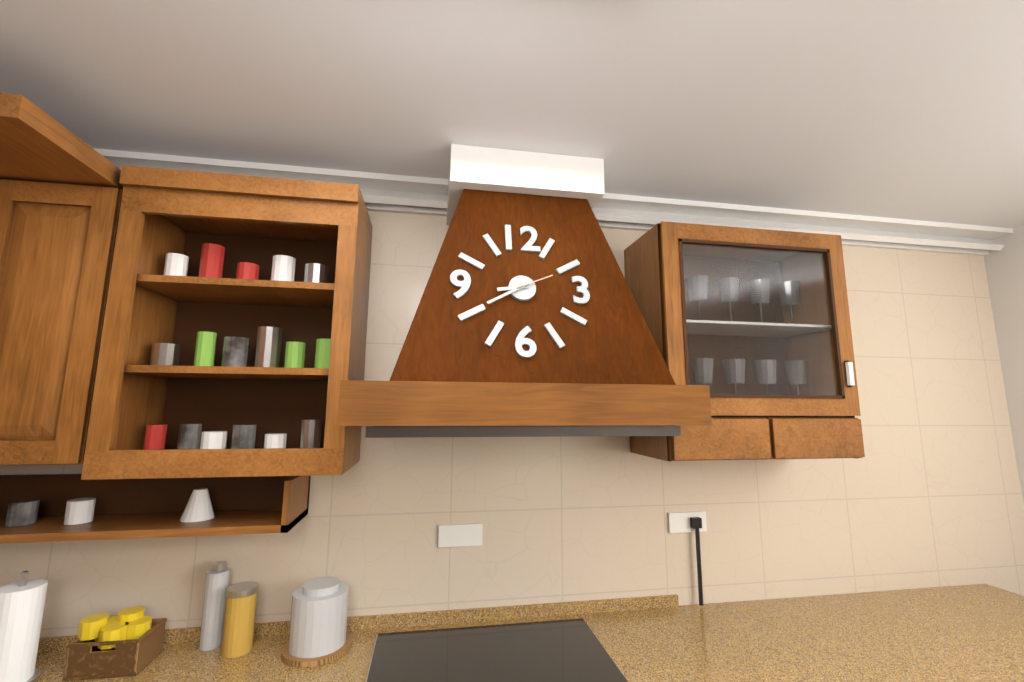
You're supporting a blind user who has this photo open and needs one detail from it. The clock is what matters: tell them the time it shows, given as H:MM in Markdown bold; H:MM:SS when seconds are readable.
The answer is **8:40**
